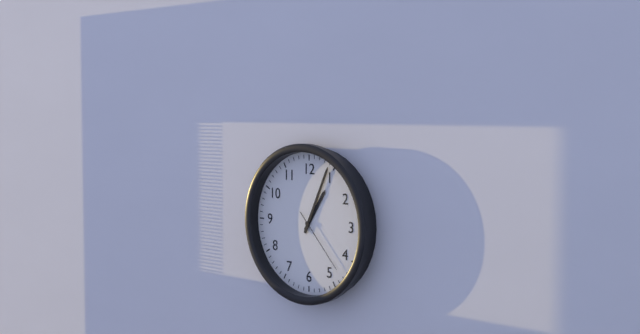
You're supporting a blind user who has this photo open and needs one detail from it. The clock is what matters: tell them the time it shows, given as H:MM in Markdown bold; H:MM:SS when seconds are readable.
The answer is **1:04:23**
